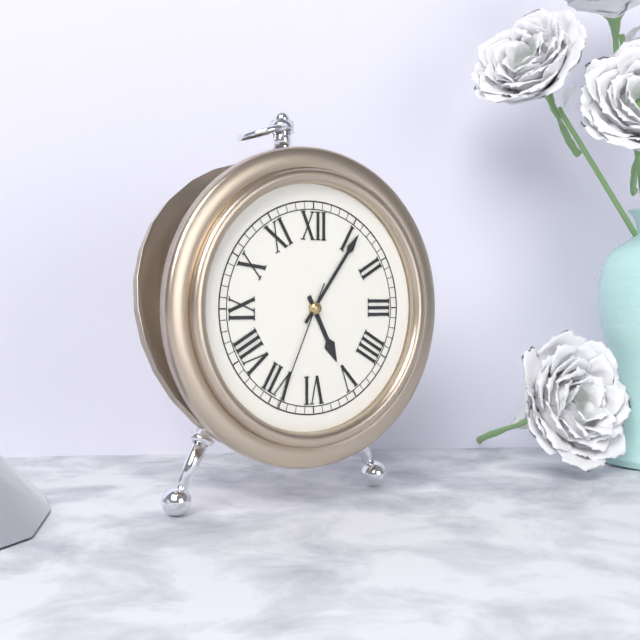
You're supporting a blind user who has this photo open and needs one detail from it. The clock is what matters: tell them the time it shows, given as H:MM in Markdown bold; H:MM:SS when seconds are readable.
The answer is **5:06:34**
